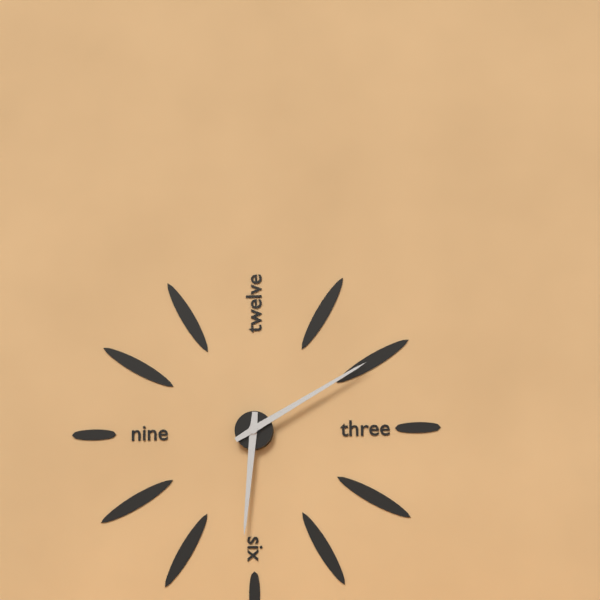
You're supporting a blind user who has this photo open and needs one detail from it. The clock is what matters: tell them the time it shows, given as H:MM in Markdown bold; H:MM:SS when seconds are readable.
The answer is **6:10**
